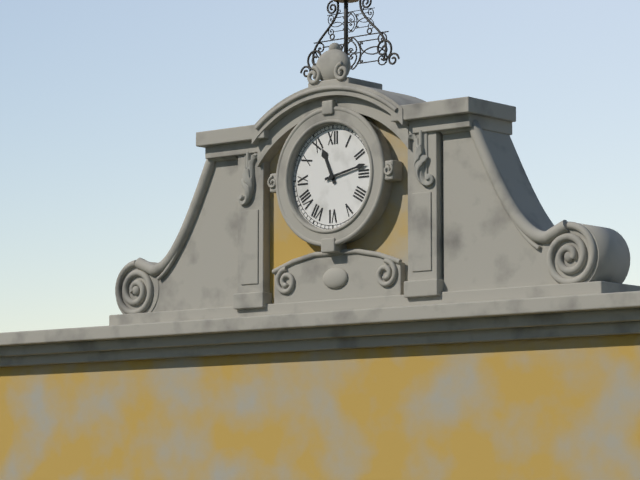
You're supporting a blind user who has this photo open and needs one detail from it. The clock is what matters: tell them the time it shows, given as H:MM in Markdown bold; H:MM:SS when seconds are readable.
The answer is **11:13**
